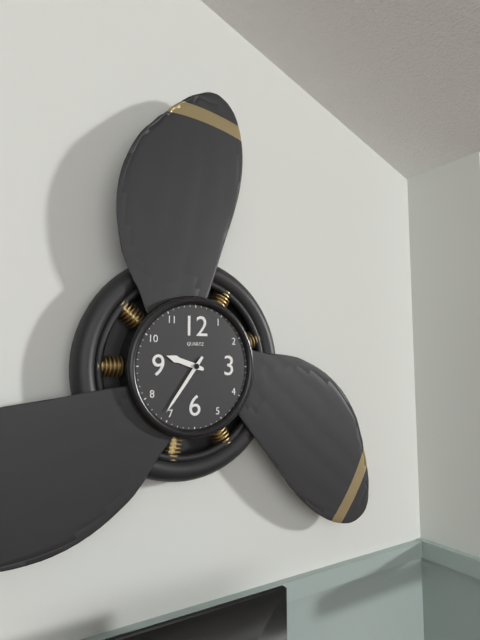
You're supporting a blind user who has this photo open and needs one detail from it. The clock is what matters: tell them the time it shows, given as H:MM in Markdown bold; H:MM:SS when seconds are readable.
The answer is **9:36**
